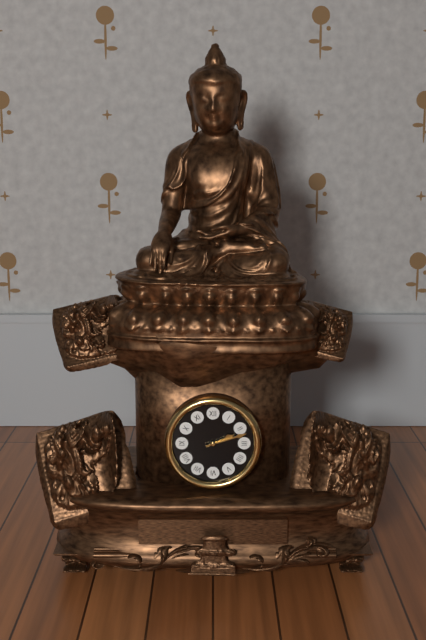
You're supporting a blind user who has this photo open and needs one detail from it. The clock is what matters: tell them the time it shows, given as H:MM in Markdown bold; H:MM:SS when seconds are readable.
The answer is **2:12**
